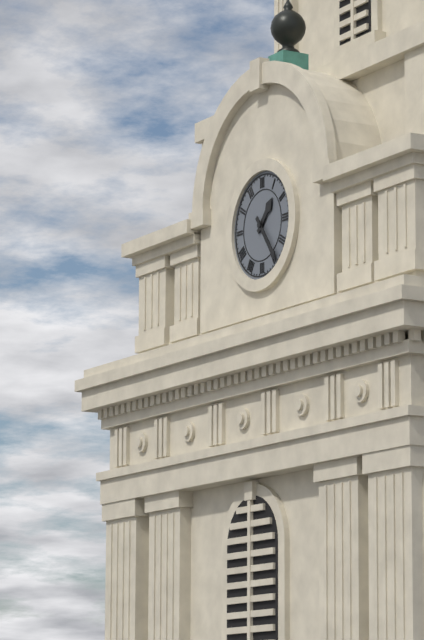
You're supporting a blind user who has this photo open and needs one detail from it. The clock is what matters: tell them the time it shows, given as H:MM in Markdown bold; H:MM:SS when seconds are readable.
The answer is **1:24**
